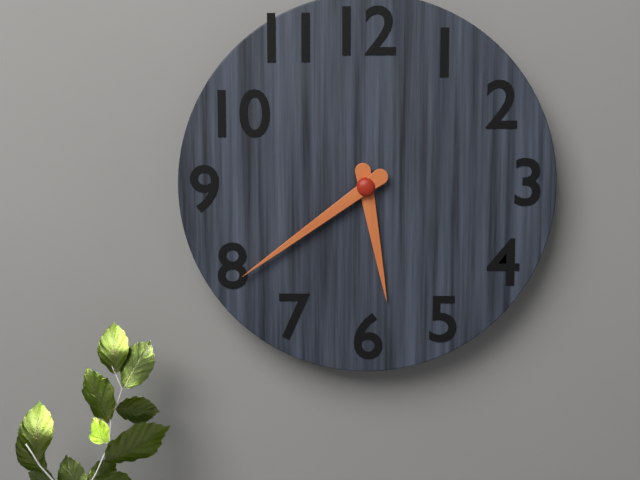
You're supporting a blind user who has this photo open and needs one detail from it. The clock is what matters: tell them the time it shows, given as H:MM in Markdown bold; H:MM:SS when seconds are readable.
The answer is **5:39**
